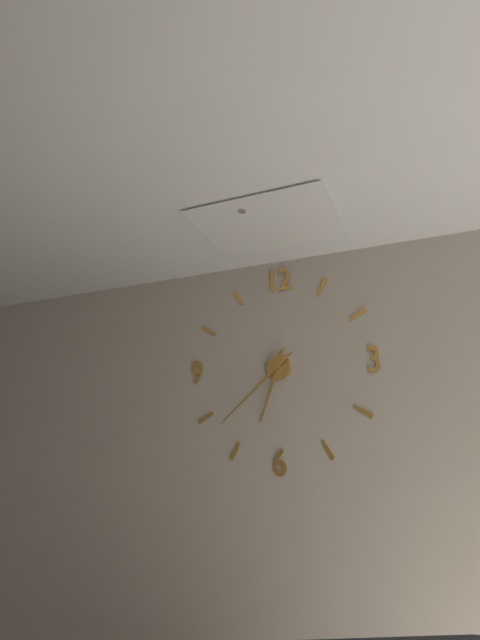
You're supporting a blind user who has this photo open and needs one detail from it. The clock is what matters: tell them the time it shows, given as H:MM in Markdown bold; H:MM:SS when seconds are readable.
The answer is **6:38**
